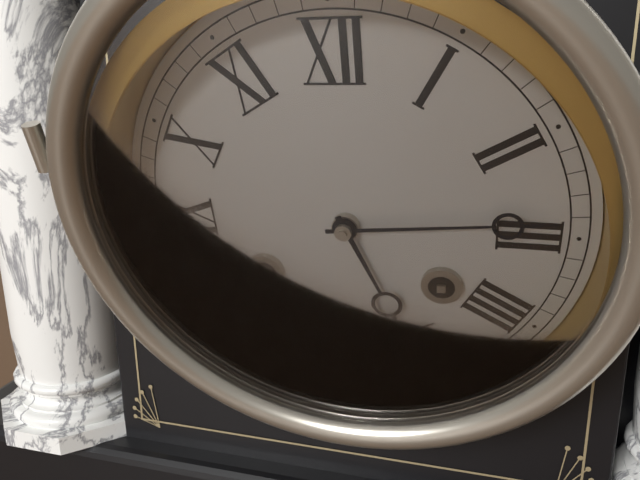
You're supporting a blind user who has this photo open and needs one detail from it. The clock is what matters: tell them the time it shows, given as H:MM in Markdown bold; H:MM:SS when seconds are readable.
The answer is **5:14**
